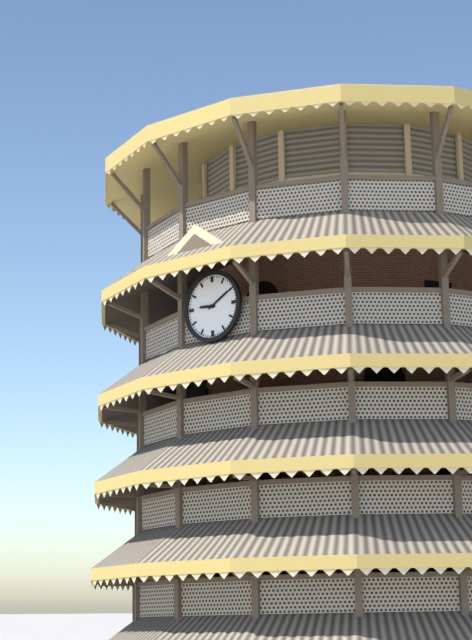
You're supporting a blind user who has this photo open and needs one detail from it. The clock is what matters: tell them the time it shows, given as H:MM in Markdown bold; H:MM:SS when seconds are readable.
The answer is **9:10**
